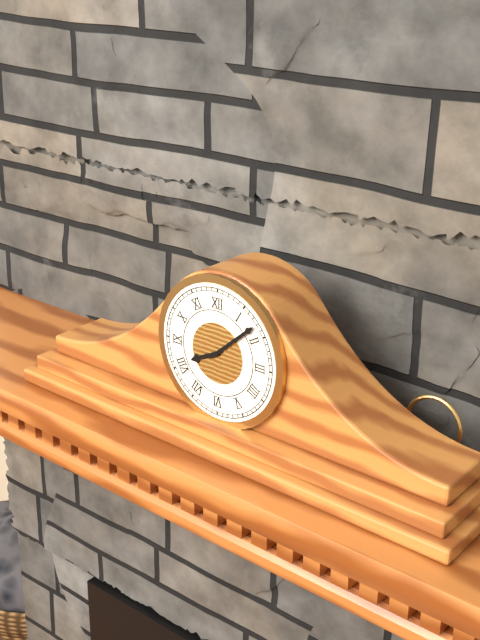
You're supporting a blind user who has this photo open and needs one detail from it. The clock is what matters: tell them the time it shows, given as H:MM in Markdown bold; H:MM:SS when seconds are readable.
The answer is **8:08**
